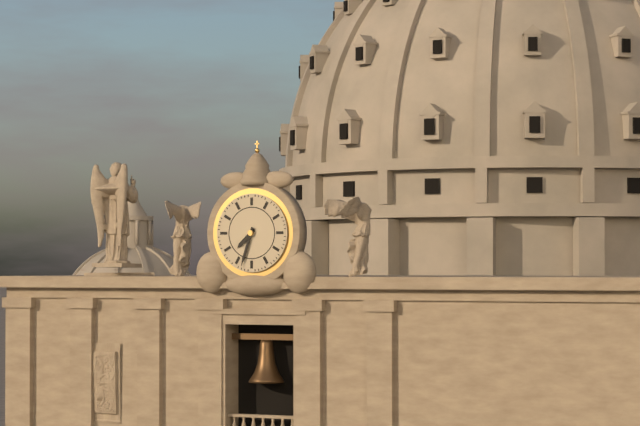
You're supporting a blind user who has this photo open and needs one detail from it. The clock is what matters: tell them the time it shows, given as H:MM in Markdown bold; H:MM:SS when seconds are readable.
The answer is **7:33**
